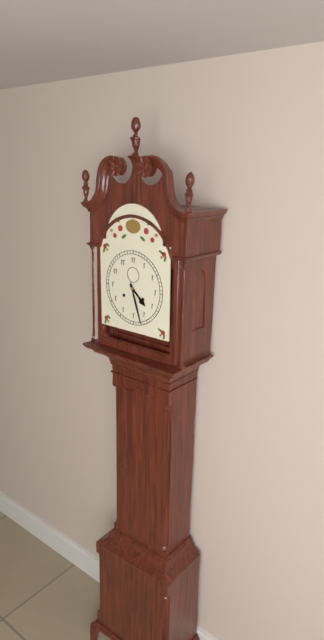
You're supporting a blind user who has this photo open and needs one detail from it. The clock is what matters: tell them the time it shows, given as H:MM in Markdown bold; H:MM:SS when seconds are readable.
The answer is **4:27**
